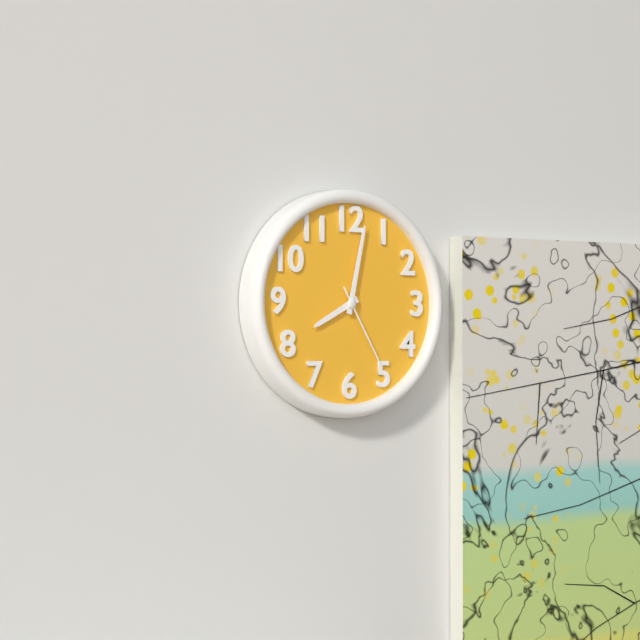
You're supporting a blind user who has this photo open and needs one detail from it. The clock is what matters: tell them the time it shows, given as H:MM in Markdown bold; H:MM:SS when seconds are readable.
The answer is **8:02:25**
